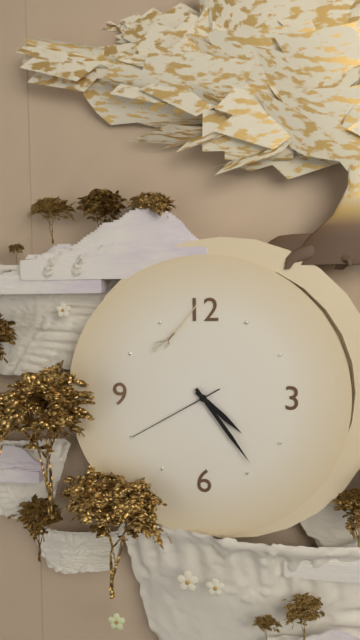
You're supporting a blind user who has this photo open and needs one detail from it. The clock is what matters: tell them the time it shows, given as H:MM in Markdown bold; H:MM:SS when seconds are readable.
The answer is **4:24:40**
